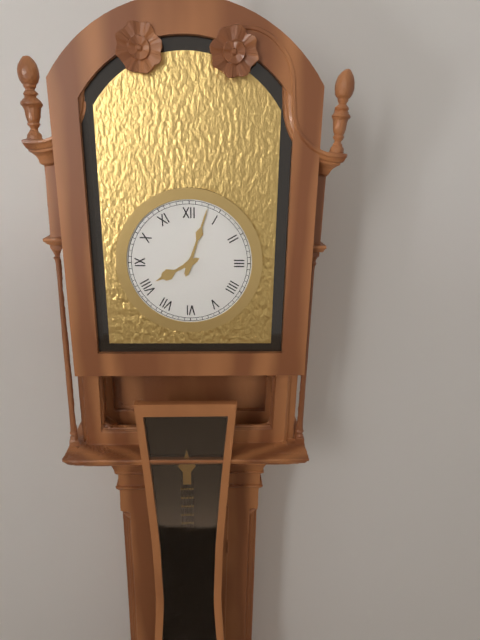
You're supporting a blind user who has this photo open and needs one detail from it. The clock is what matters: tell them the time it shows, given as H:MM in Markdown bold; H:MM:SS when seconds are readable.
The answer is **8:03**
